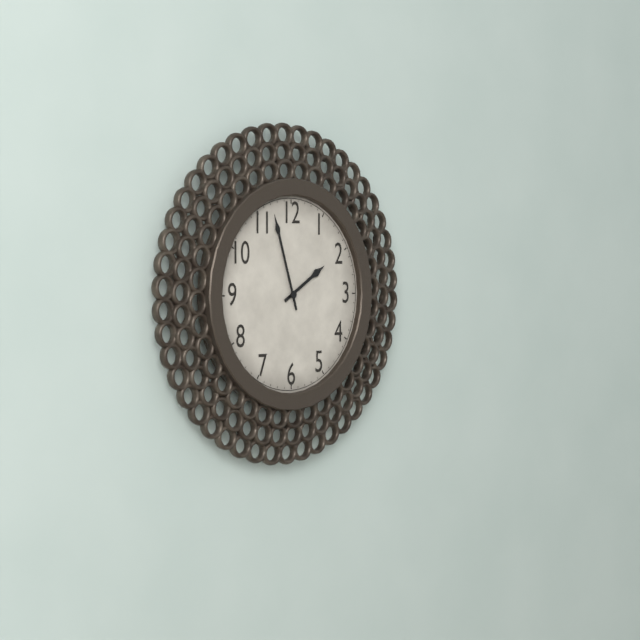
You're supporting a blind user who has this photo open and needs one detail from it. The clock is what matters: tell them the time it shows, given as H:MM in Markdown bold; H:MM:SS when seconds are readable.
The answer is **1:57**
